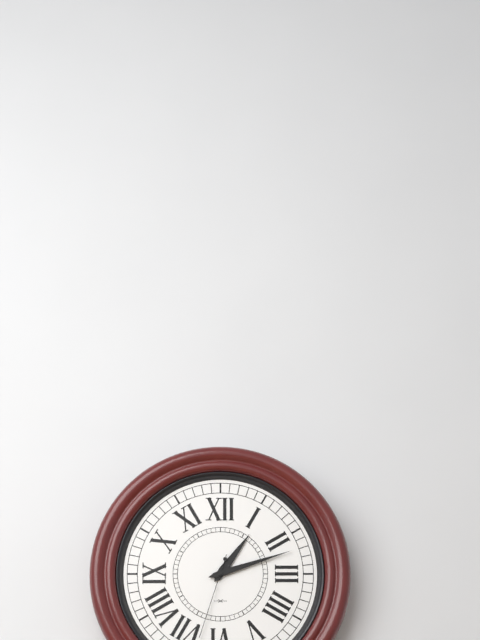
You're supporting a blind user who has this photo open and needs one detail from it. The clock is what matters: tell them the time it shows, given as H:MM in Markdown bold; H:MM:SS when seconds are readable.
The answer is **1:12:33**
